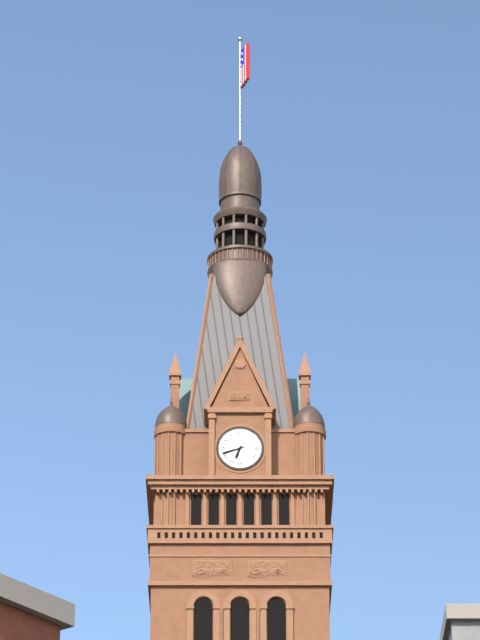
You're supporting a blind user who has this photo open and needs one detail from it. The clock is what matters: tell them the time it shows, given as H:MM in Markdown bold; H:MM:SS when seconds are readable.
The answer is **6:42**
